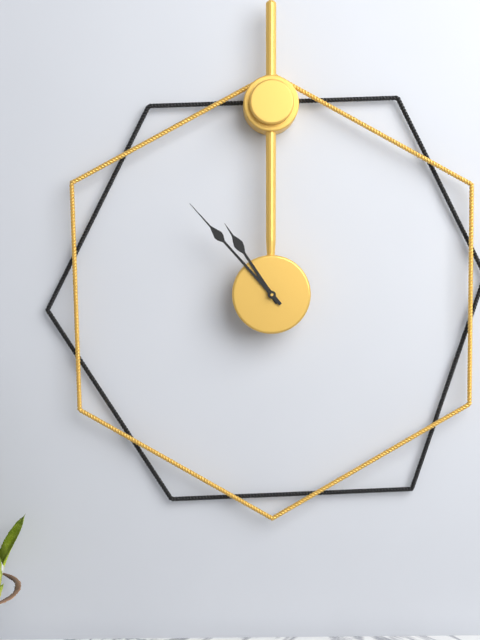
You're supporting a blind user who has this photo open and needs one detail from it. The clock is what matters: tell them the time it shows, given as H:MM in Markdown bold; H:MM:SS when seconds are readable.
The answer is **10:53**
